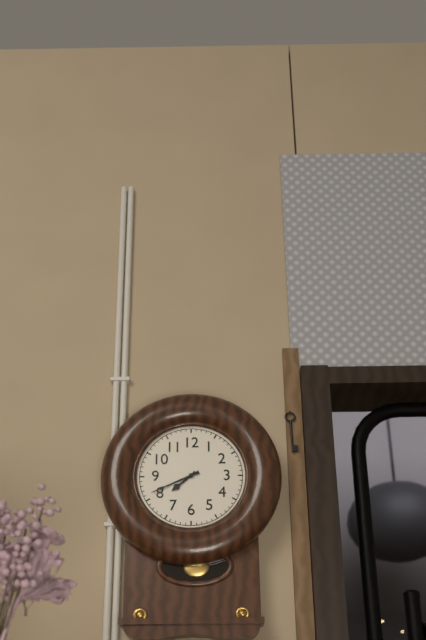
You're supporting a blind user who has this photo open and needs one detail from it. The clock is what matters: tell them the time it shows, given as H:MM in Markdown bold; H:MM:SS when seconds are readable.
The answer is **7:41**
